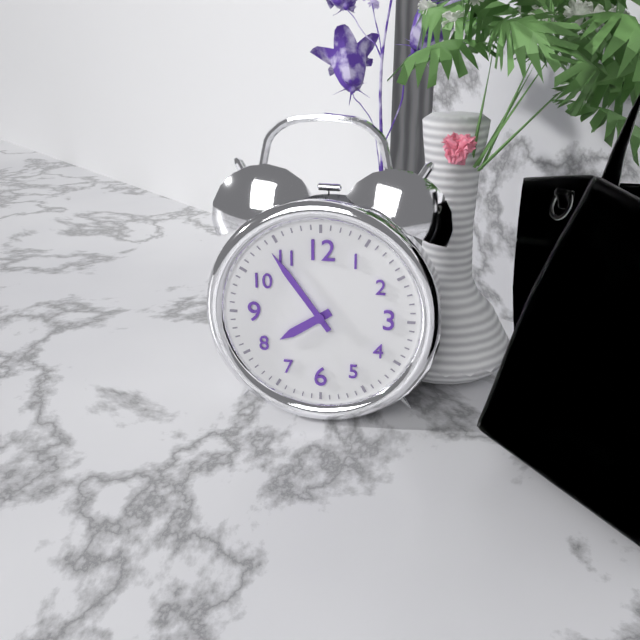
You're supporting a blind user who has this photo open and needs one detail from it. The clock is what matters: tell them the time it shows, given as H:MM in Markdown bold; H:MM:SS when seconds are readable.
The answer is **7:54**
